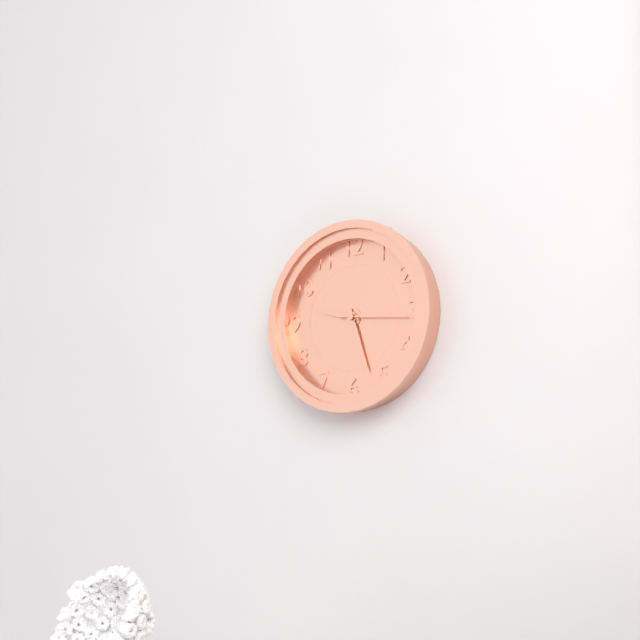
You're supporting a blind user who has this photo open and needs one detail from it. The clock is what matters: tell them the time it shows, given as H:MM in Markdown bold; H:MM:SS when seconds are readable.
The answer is **9:27:16**
